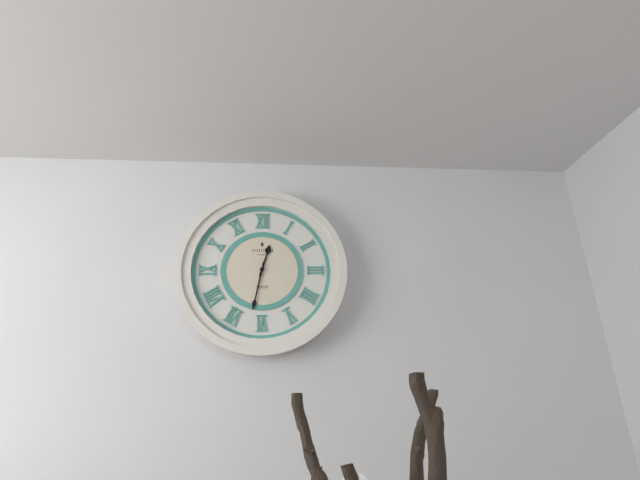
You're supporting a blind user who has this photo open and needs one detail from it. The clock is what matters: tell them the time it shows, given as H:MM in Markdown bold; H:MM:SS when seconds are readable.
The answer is **12:32**
